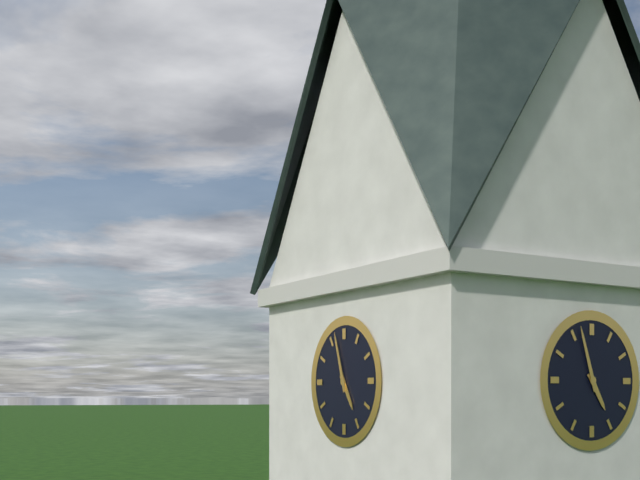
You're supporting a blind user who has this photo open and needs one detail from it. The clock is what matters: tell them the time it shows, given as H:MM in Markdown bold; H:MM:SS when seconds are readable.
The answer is **4:57**
